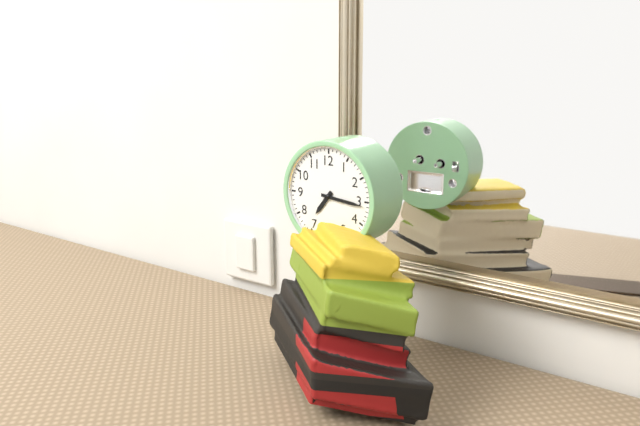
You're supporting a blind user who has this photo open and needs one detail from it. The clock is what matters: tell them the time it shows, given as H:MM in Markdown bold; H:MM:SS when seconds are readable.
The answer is **7:16**
